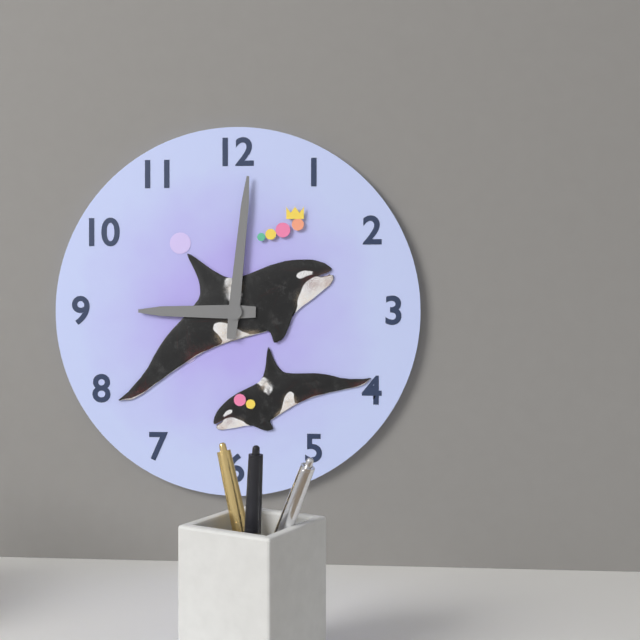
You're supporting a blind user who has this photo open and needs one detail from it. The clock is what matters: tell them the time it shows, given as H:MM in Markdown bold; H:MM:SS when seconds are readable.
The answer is **9:01**
